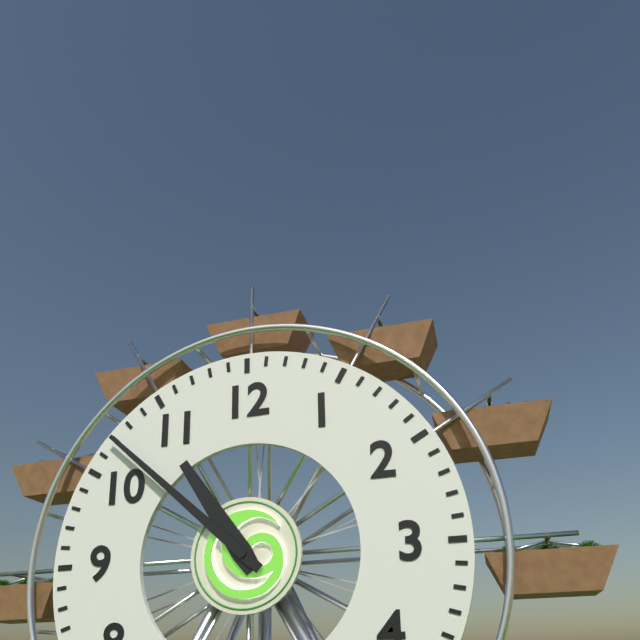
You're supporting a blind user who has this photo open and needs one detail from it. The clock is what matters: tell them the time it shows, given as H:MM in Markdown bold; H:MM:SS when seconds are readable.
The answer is **10:52**
